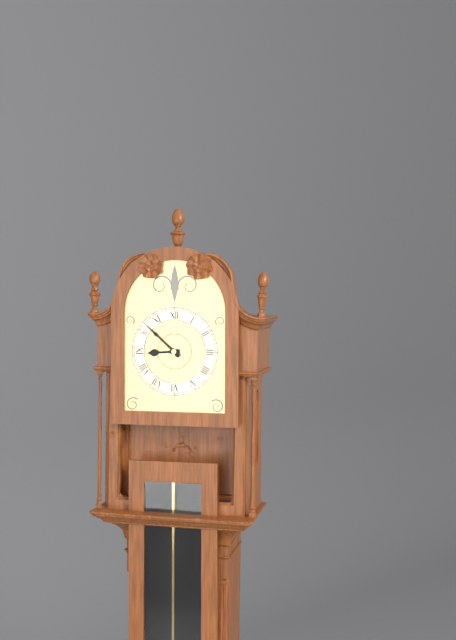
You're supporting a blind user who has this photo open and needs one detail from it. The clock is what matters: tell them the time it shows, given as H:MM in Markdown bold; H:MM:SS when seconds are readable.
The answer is **8:52**
